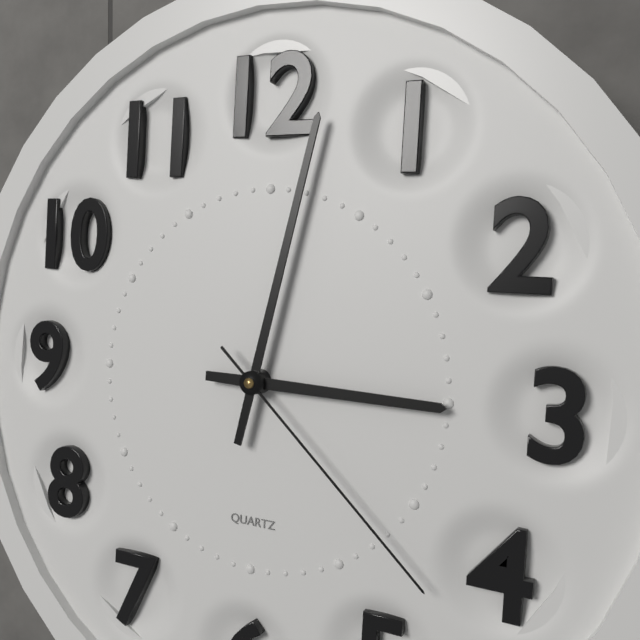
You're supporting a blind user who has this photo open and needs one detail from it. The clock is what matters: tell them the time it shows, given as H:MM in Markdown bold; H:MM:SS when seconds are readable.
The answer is **3:02:22**
